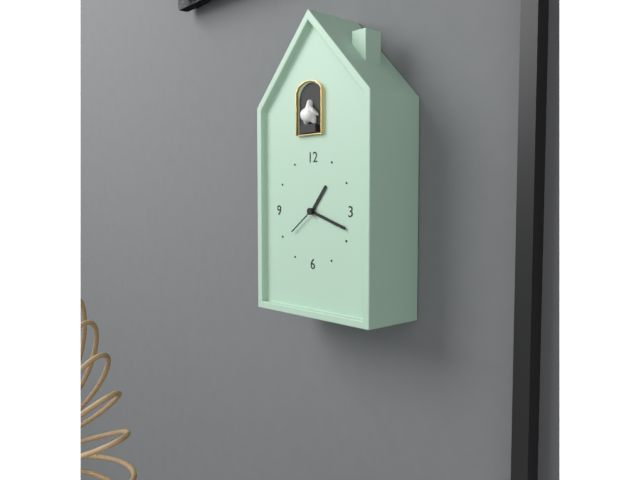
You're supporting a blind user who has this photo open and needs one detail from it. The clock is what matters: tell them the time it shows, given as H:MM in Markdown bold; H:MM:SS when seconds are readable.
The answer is **1:18**
